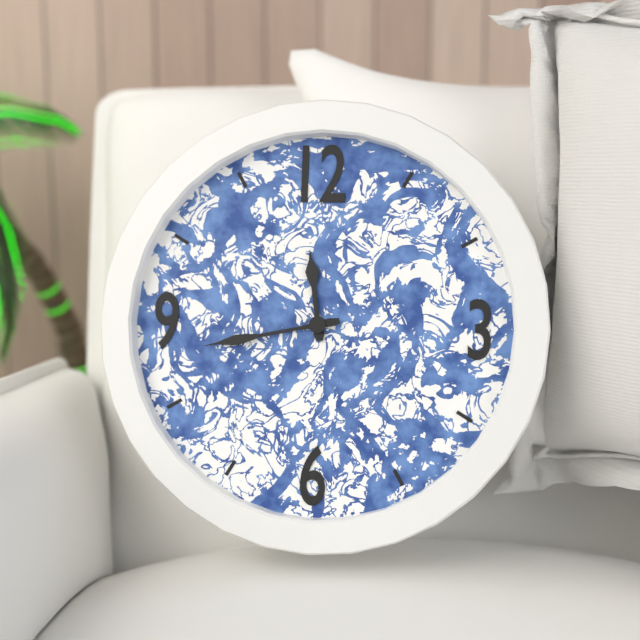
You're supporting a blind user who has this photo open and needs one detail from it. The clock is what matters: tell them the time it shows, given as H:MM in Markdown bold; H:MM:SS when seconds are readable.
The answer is **11:43**
